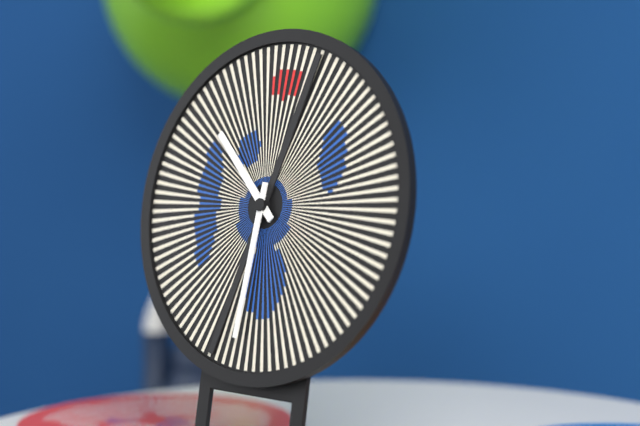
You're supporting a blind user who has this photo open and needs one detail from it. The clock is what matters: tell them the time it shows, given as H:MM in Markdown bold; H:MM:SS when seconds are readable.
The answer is **10:31**
